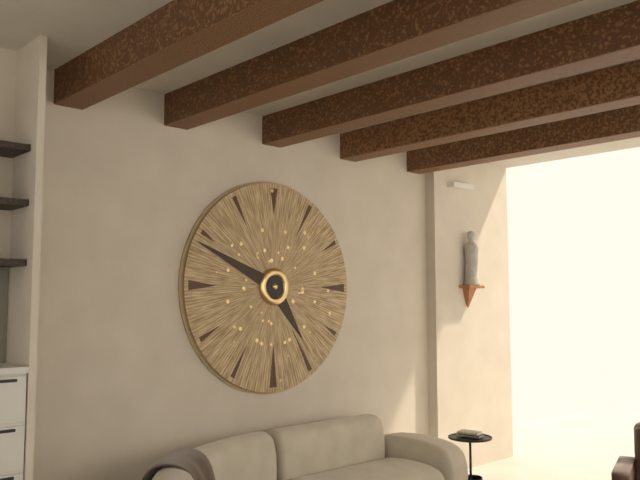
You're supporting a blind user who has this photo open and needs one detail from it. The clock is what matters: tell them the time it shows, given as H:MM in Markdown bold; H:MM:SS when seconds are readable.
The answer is **4:49**
